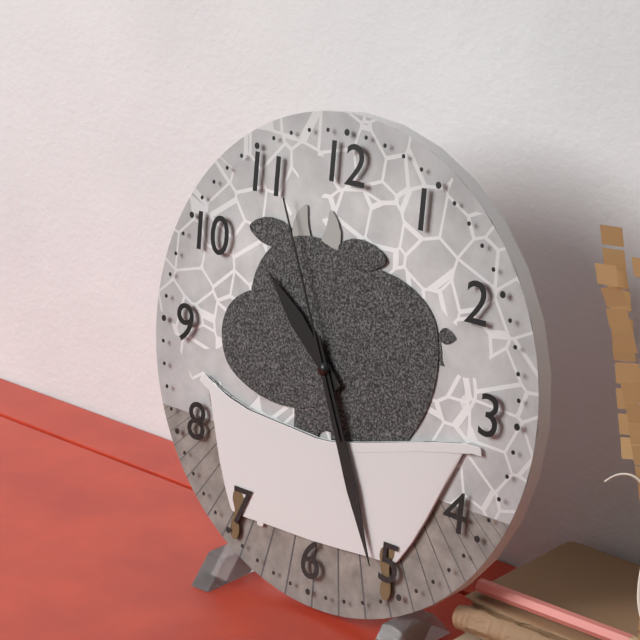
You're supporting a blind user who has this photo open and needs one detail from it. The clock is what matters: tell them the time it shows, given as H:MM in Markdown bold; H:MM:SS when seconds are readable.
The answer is **10:26:56**
